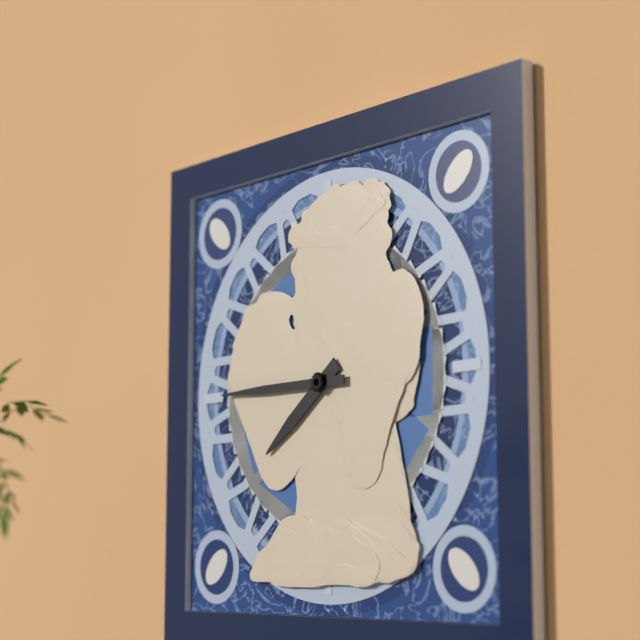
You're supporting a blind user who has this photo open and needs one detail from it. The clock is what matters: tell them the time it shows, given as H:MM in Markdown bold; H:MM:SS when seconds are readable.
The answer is **7:45**
